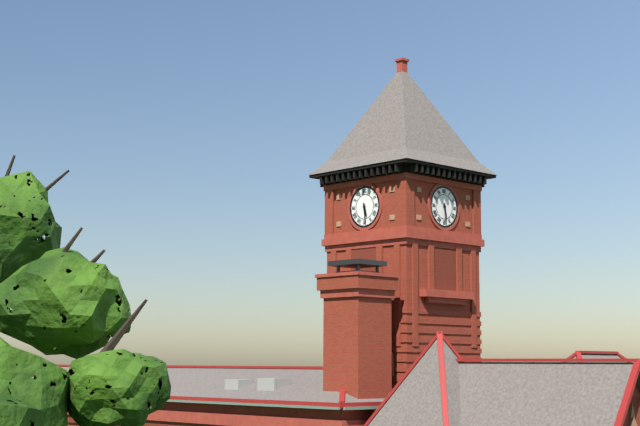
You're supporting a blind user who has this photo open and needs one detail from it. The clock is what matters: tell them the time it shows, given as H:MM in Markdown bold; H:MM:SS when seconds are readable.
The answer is **5:29**
